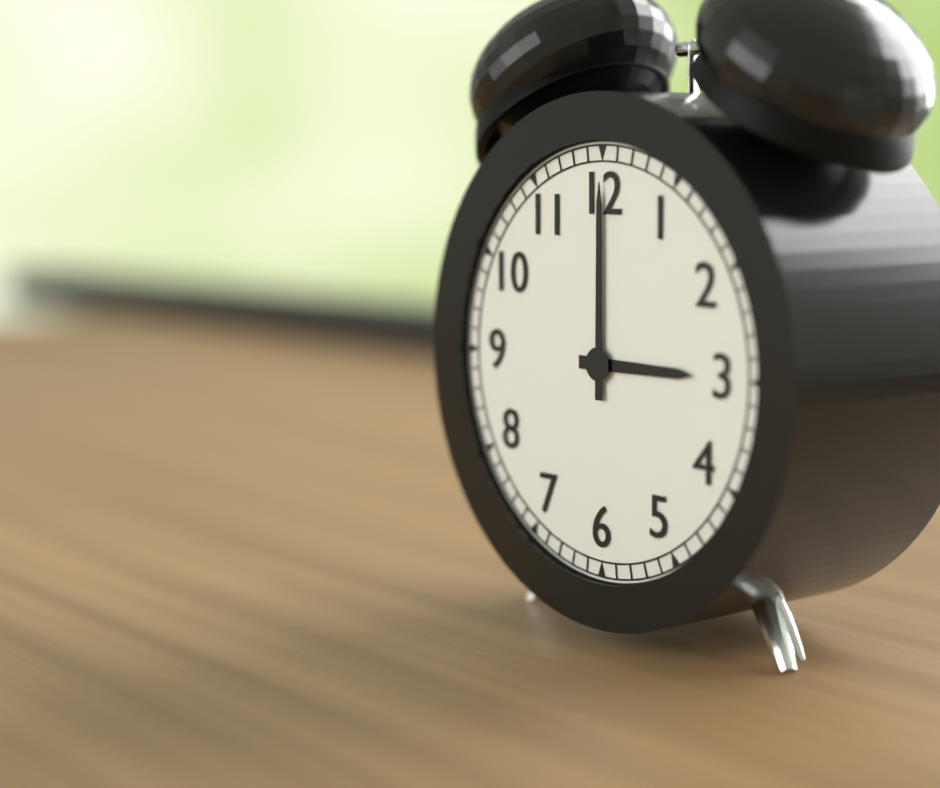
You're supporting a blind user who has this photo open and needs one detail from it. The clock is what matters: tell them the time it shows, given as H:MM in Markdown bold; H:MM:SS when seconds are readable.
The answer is **3:00**
